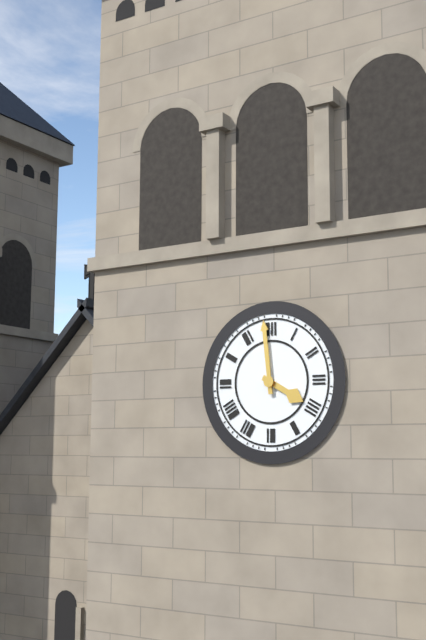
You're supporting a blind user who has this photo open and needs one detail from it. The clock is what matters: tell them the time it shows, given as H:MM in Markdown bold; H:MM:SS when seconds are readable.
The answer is **3:59**
